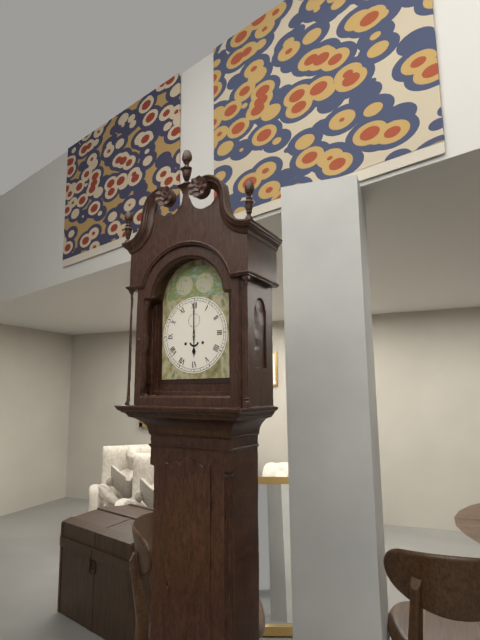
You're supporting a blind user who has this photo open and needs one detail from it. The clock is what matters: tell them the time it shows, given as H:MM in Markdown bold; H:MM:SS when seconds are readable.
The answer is **6:00**
